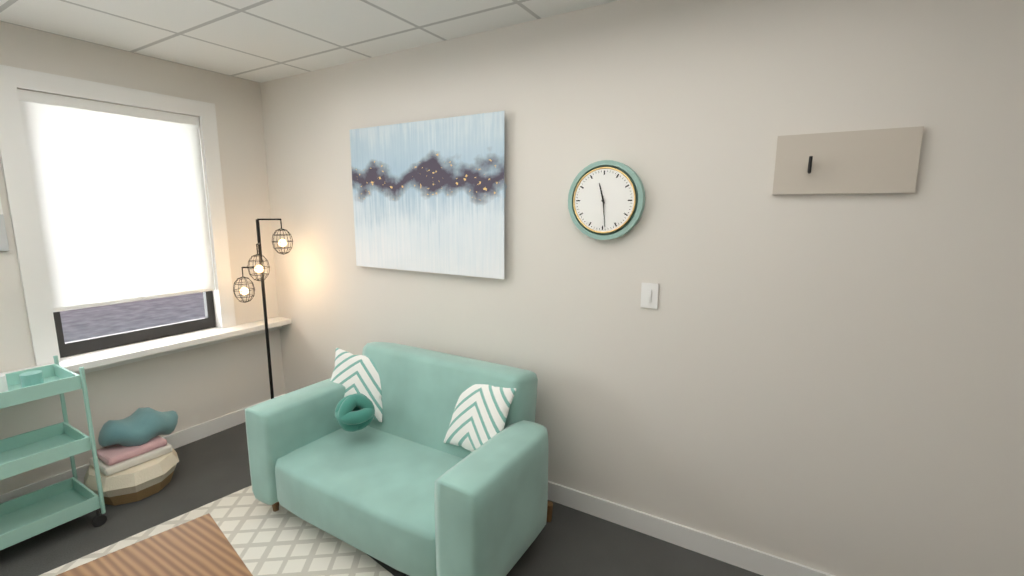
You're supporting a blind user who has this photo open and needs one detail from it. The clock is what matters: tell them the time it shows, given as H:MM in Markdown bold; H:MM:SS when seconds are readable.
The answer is **11:29**
